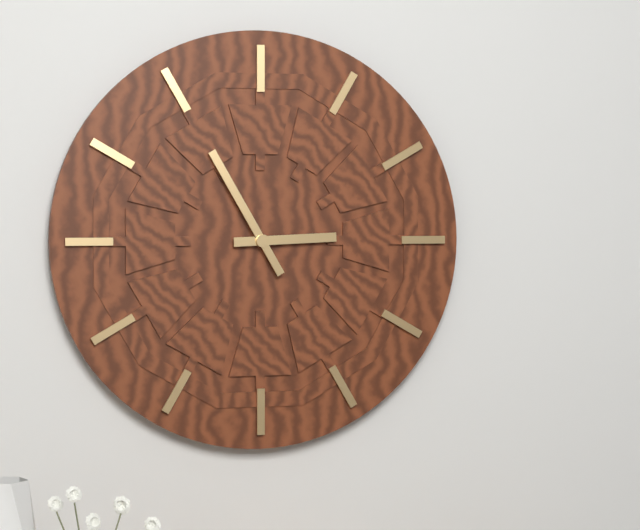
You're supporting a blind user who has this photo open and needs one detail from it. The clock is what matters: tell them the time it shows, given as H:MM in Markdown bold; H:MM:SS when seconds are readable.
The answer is **2:55**
